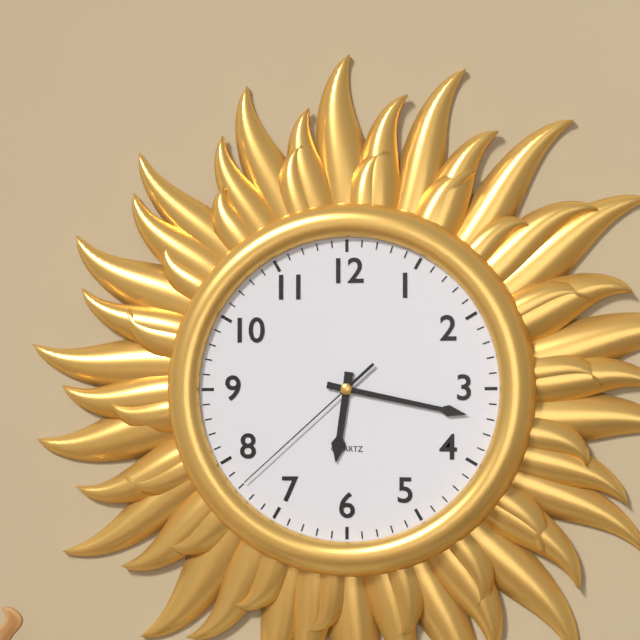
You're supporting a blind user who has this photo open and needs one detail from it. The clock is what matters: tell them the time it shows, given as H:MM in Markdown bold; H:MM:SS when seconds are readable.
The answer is **6:17:38**
